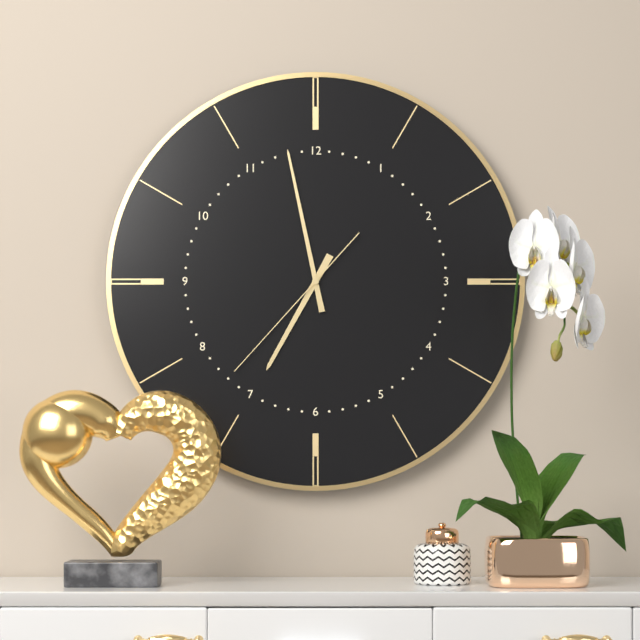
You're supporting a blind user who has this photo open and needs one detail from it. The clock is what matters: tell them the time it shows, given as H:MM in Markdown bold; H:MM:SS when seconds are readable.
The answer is **6:58:37**
